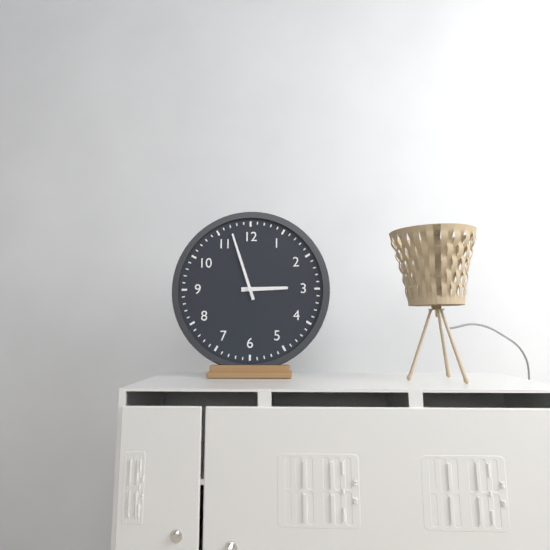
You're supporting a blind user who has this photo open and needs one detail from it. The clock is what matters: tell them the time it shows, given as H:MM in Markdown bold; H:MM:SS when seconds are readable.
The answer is **2:57**
